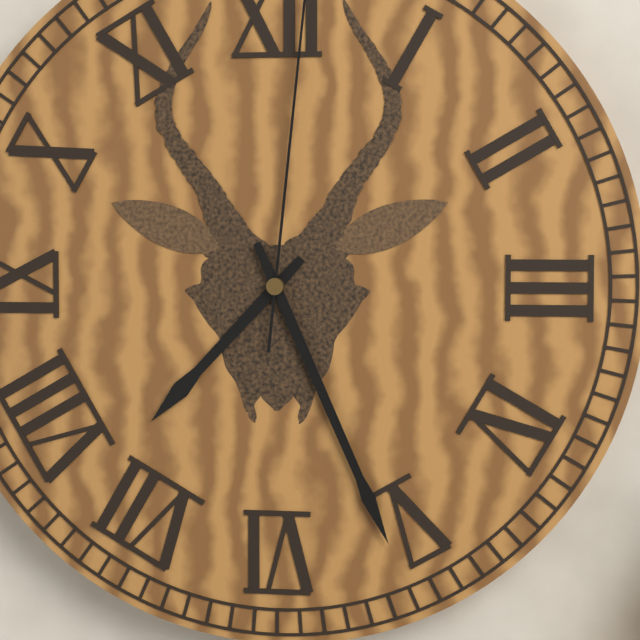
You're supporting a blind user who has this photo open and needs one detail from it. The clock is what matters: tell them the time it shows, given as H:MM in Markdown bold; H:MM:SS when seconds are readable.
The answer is **7:26**
